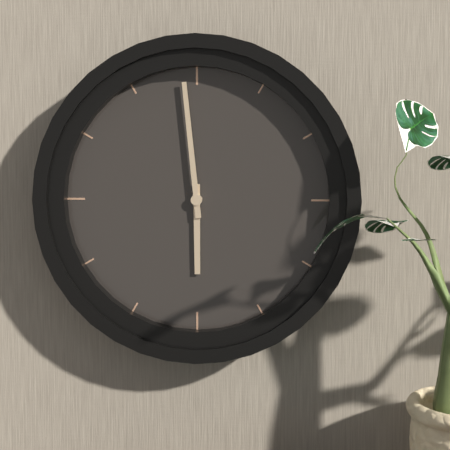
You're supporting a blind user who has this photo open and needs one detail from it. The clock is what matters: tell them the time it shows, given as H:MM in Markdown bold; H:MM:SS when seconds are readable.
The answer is **5:59**
